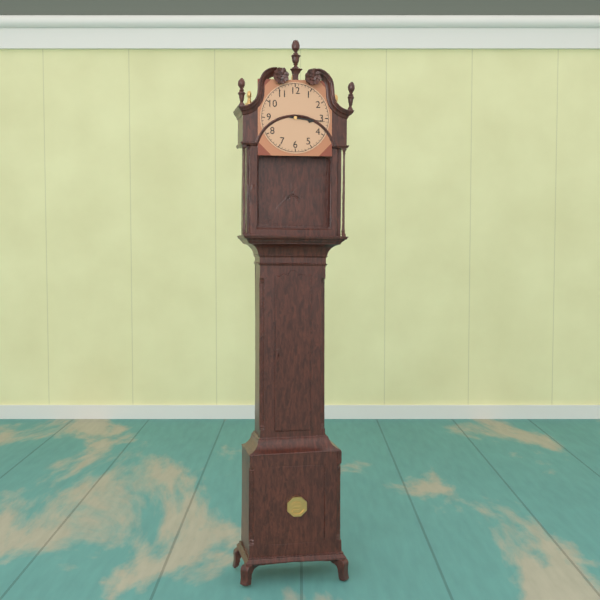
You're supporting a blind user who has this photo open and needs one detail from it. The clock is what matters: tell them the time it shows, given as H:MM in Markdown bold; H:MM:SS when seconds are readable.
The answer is **3:16**
